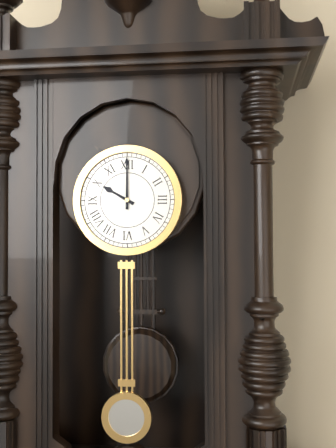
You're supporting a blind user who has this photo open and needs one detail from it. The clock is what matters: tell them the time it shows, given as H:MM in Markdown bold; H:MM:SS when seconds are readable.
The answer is **10:00**
